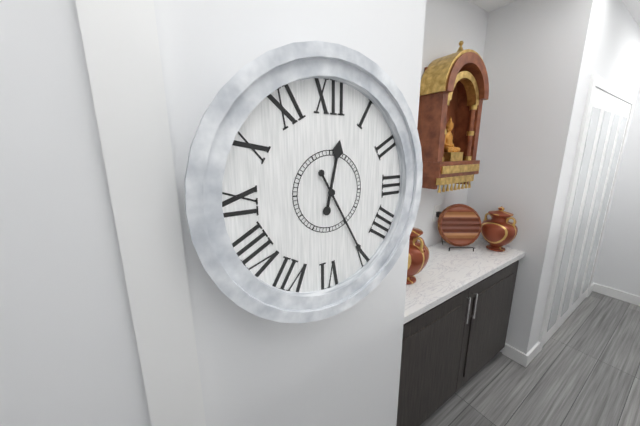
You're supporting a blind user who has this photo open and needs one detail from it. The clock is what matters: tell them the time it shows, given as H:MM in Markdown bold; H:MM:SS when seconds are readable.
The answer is **12:25**
